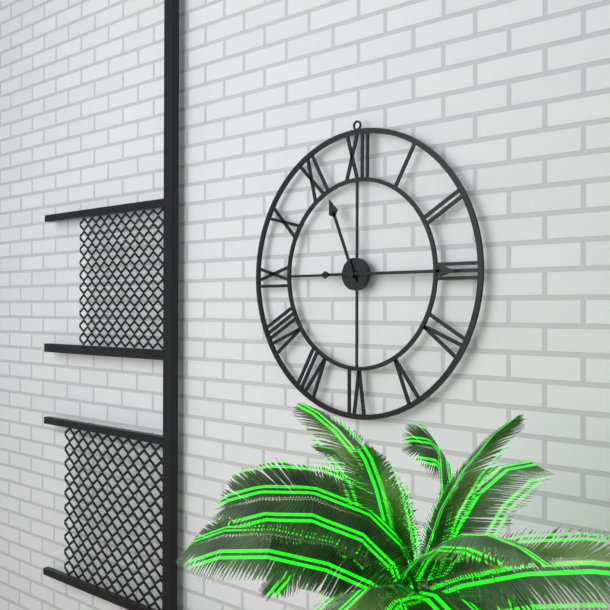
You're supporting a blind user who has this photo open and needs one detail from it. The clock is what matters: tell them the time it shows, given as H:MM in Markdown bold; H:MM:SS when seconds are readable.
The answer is **11:15**
